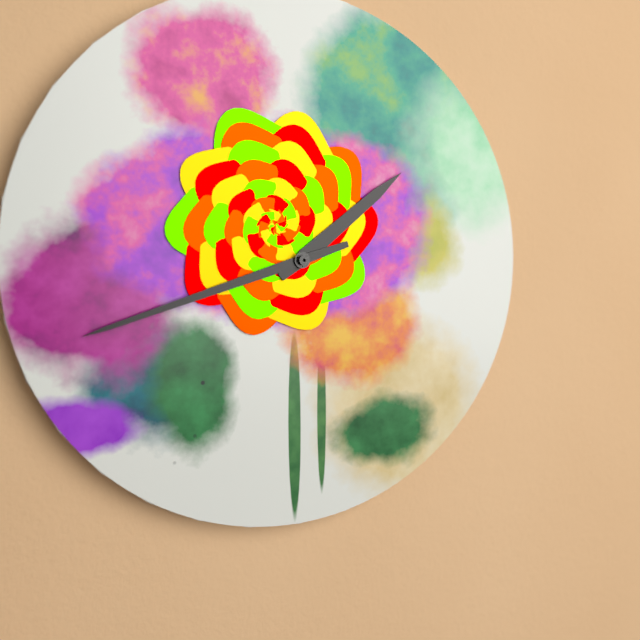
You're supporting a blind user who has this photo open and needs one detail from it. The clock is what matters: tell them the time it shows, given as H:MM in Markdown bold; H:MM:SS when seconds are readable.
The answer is **1:42**
